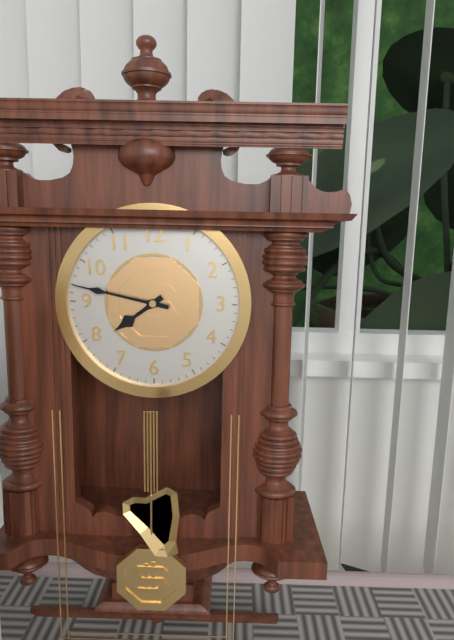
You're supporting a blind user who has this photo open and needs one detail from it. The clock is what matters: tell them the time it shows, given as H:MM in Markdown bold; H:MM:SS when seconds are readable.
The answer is **7:47**
